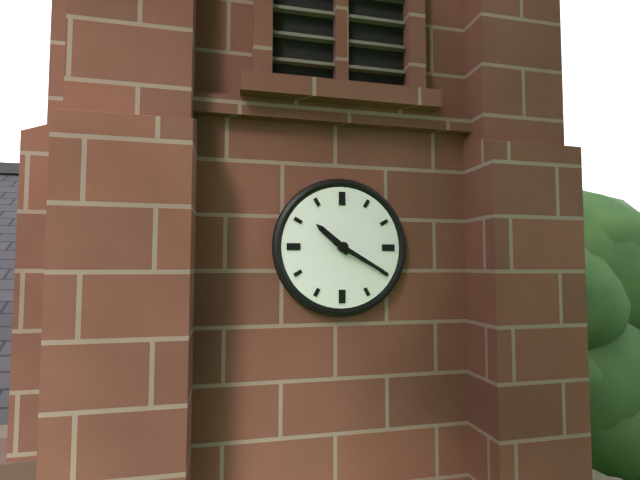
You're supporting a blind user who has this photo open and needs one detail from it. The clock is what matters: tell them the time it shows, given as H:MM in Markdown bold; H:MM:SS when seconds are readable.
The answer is **10:20**
